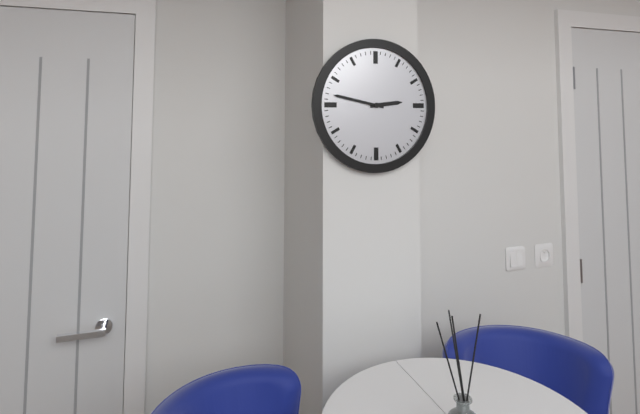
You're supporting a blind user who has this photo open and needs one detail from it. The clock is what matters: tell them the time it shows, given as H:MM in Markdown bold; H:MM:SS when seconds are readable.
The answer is **2:47**
